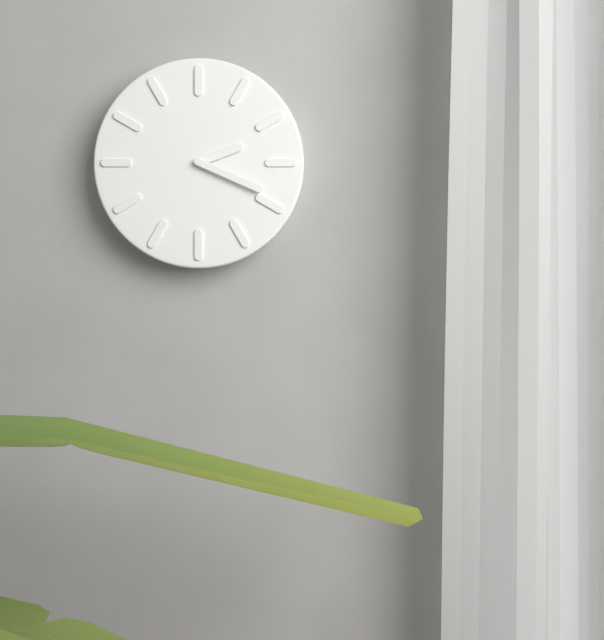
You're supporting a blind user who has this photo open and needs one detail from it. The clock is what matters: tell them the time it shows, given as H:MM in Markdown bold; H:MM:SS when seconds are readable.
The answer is **2:19**
